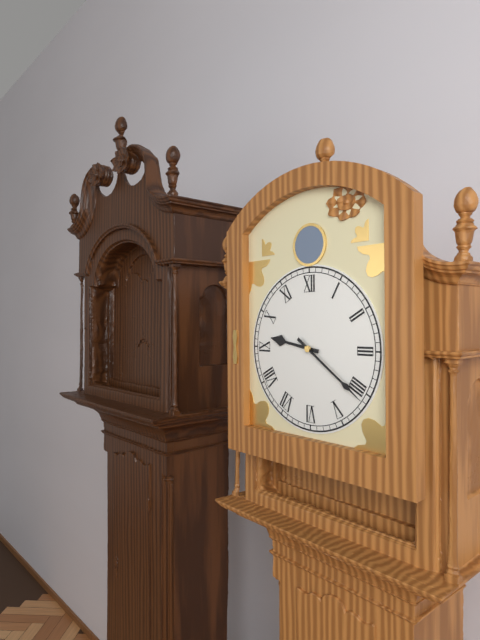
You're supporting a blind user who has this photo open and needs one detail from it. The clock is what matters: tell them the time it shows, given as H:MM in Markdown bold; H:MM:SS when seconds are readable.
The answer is **9:21**
